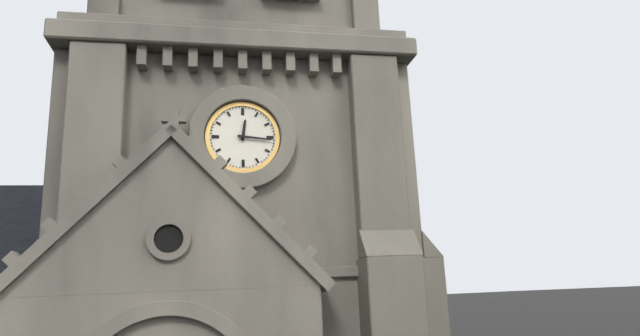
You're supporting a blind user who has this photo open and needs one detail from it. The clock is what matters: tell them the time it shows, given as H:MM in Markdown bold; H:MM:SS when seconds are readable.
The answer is **12:16**
